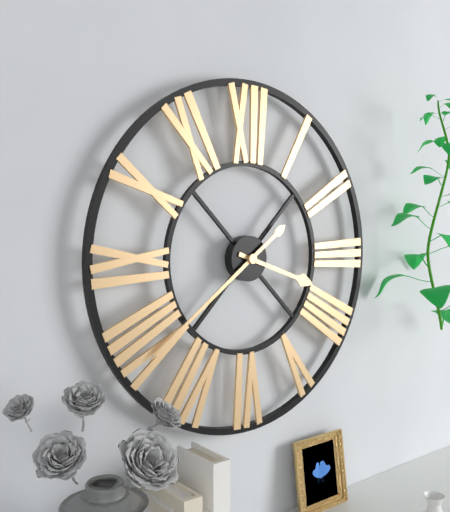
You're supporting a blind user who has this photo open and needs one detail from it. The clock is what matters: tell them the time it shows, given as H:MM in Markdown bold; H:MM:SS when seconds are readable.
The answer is **3:39**
